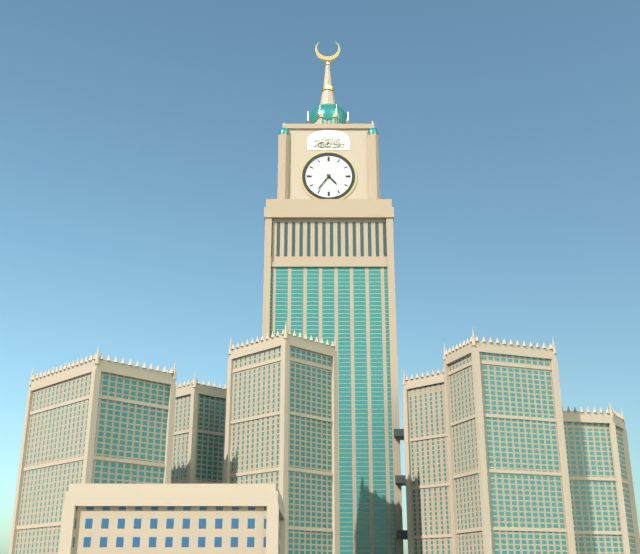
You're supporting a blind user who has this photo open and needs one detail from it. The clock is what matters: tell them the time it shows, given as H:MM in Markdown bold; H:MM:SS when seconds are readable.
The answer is **4:36**
